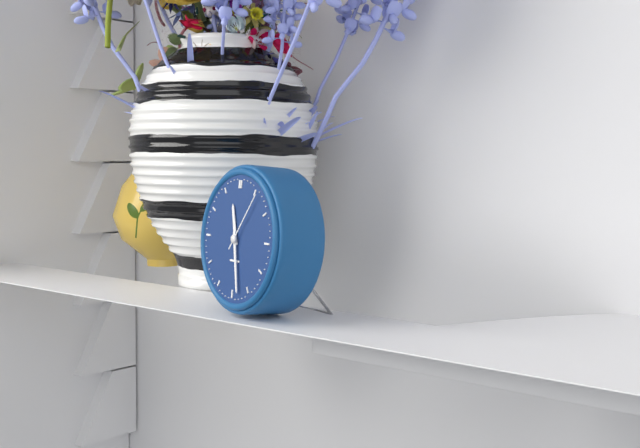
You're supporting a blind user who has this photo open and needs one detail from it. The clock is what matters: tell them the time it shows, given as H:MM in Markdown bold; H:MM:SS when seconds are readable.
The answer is **11:28:06**
